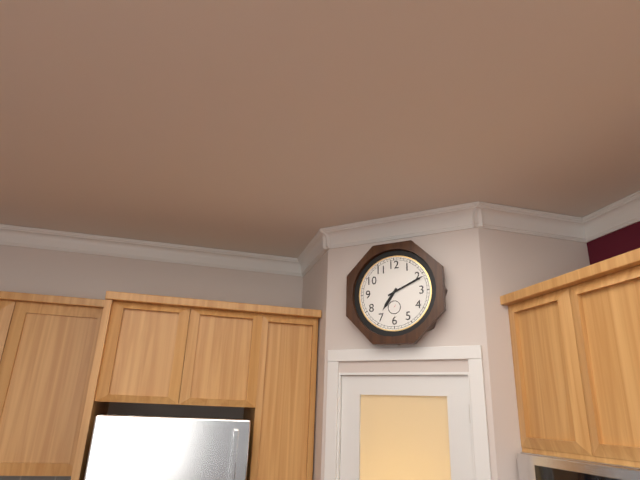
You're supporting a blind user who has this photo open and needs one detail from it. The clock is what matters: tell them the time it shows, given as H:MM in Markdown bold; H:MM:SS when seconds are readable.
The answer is **7:11**
